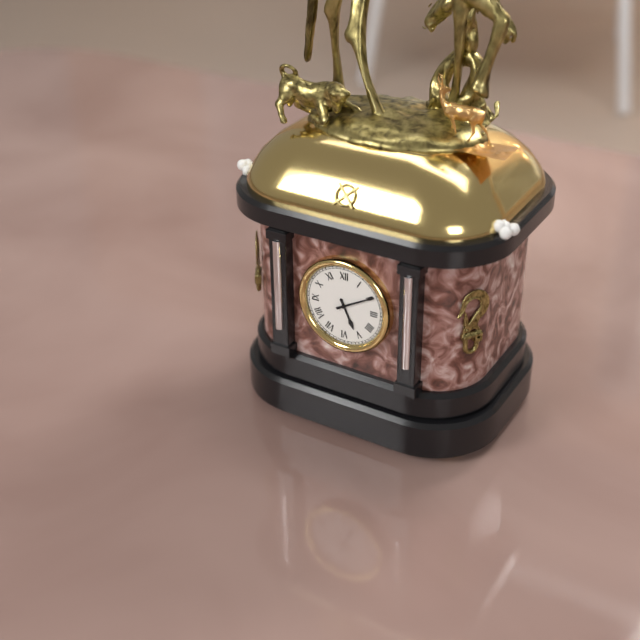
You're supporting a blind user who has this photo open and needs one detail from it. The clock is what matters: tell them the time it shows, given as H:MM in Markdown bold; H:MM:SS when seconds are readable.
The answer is **5:10**
